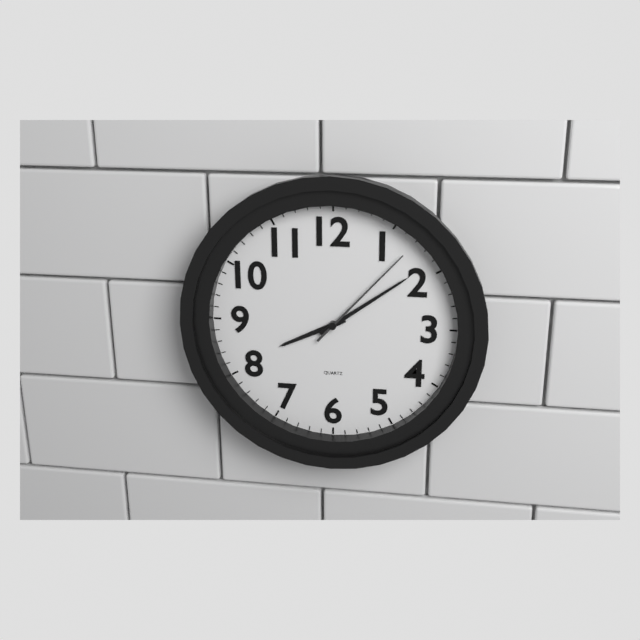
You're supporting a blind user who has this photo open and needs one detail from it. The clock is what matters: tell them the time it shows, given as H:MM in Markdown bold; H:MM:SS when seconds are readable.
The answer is **8:09:07**
